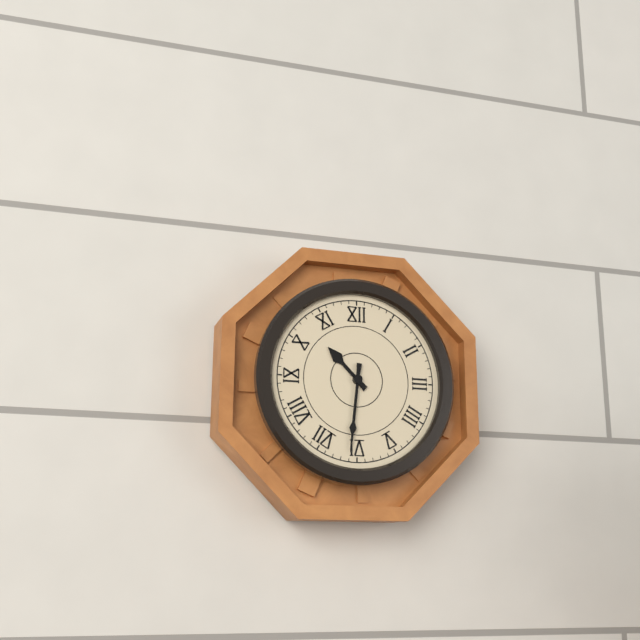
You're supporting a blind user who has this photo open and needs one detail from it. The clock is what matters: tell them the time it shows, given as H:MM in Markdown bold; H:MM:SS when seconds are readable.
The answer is **10:31**
